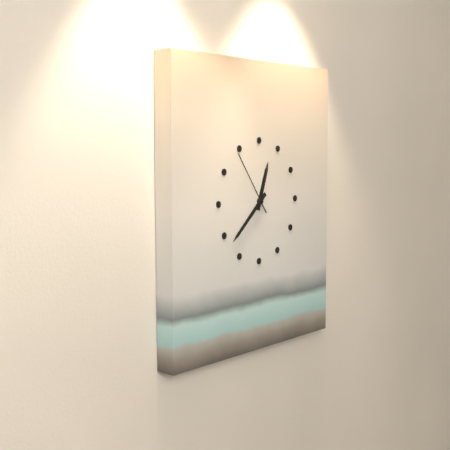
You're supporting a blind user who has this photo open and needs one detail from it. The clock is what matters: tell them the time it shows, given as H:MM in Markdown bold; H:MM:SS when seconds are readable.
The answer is **12:38:54**
